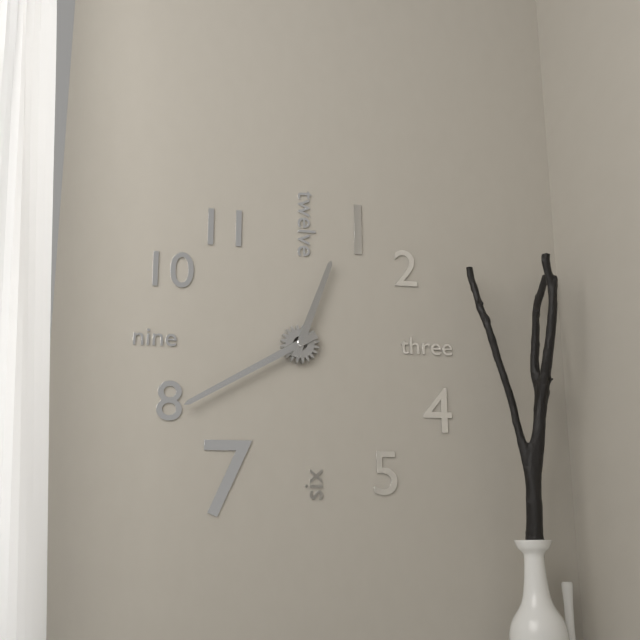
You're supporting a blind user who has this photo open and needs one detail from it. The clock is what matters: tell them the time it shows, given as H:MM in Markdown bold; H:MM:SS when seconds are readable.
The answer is **12:40**
